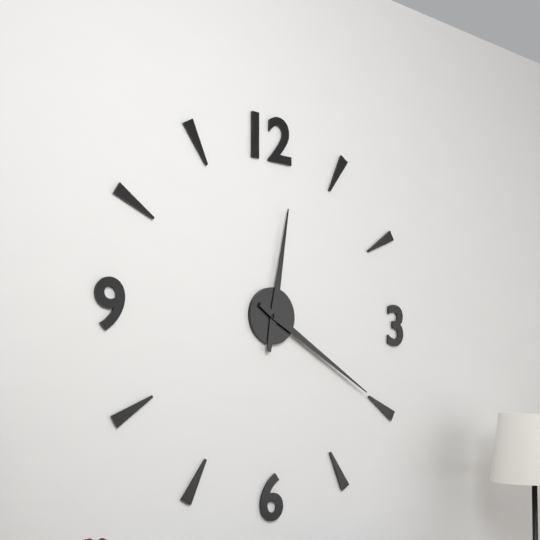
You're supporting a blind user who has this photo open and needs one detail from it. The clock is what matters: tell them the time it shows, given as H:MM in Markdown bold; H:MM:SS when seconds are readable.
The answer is **12:20**
